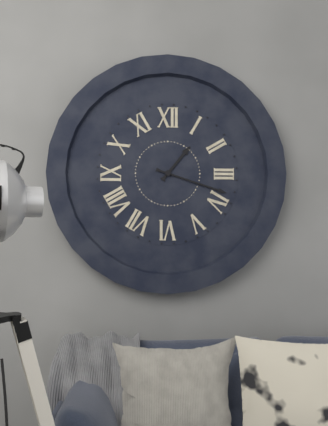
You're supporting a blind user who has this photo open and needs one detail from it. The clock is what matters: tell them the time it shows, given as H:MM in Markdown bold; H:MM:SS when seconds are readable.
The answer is **1:18**
